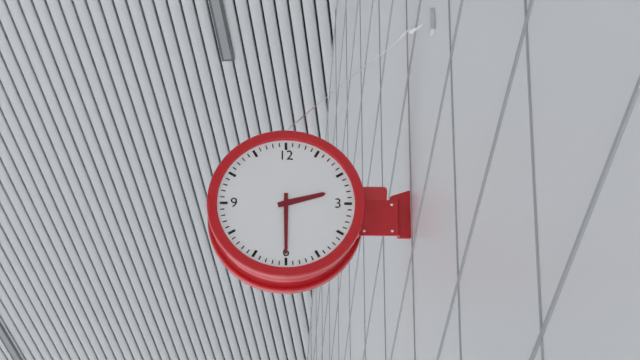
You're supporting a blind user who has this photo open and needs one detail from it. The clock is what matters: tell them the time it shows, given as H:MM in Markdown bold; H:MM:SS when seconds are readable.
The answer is **2:30**
